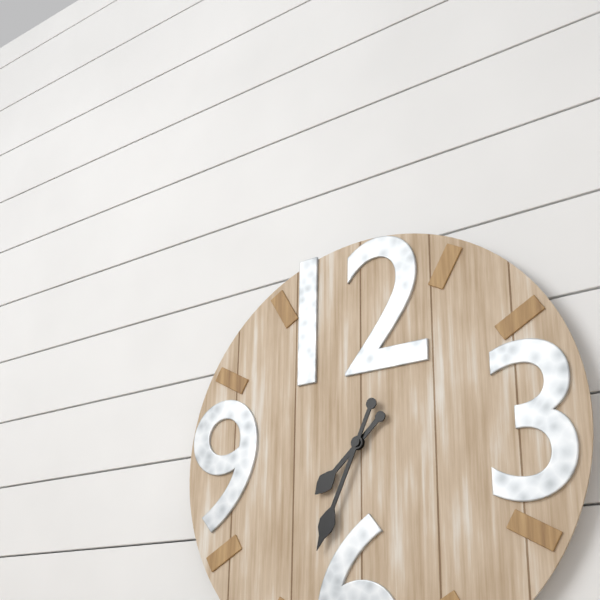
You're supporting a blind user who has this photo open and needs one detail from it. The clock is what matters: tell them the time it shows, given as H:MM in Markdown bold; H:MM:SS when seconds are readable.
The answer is **7:34**
